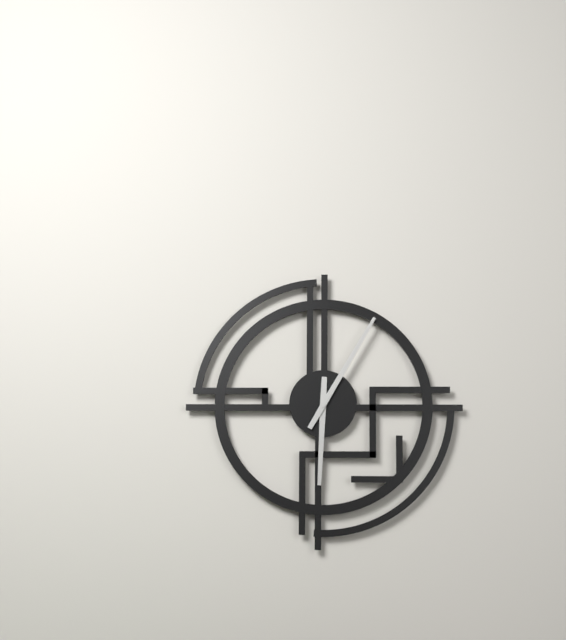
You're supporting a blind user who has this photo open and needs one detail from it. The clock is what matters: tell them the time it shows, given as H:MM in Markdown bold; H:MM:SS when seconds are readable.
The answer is **6:05**
